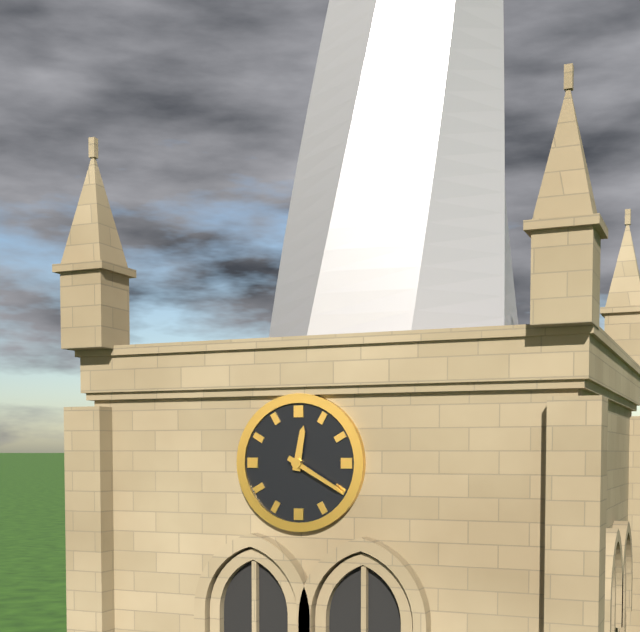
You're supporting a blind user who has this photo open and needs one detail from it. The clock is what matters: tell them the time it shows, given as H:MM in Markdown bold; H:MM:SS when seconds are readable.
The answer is **12:20**
